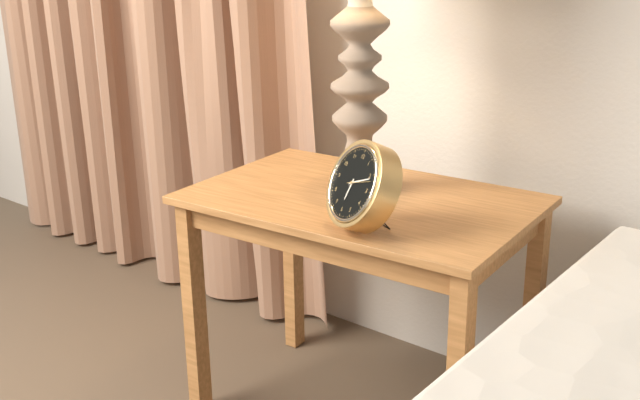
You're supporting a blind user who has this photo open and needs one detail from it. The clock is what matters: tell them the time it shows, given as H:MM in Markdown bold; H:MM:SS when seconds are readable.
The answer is **6:11**
